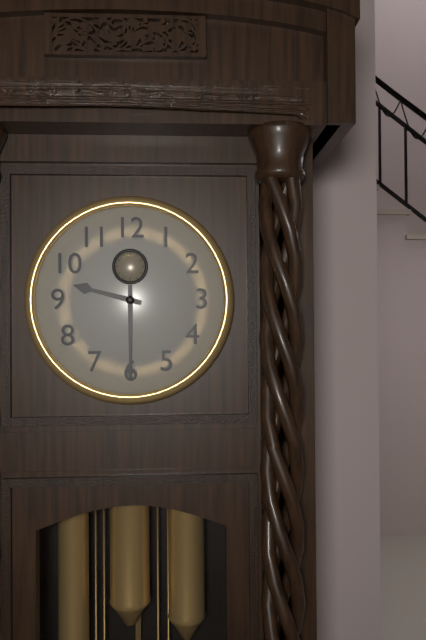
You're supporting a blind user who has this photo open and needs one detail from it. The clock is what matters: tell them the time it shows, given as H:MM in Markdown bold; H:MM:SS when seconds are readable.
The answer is **9:30**
